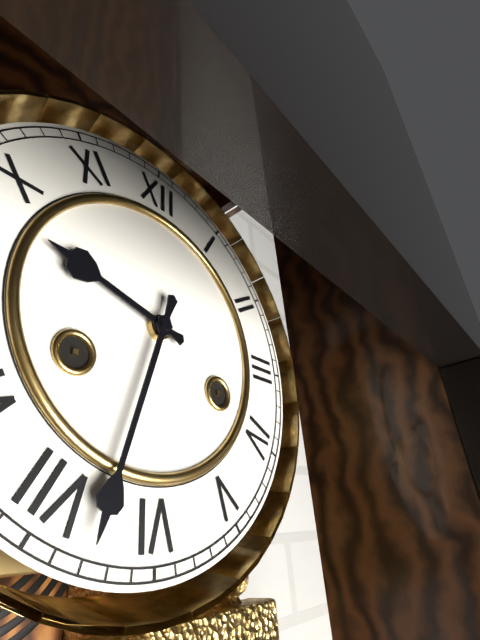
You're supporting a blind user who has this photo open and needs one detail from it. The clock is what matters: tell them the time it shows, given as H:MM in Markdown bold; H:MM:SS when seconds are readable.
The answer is **9:33**
